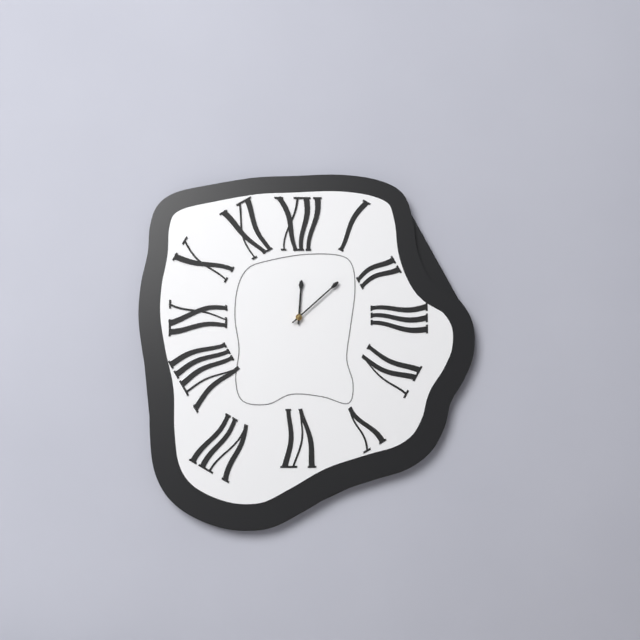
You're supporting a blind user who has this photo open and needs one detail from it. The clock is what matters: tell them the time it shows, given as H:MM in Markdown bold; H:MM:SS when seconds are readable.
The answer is **12:08**
